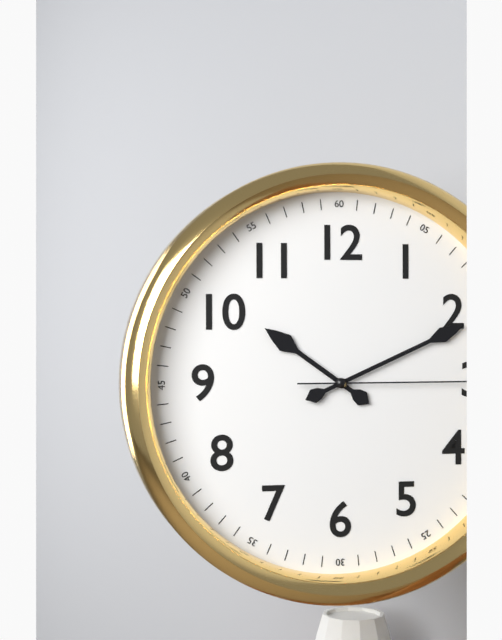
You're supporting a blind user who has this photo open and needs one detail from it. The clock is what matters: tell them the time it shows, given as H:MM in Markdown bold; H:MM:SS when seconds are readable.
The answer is **10:11:15**
